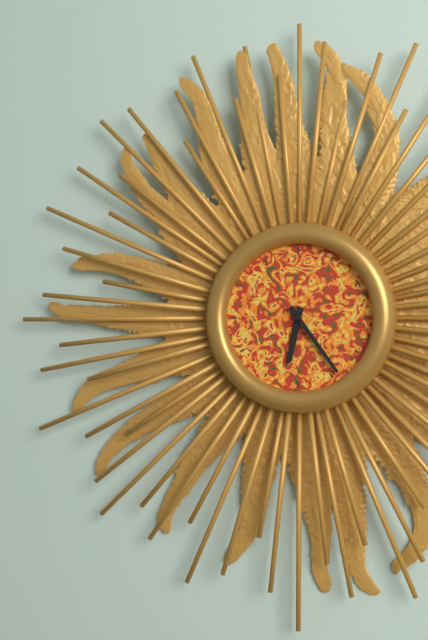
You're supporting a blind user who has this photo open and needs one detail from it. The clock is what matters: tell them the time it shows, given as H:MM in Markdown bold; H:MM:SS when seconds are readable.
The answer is **6:24**
